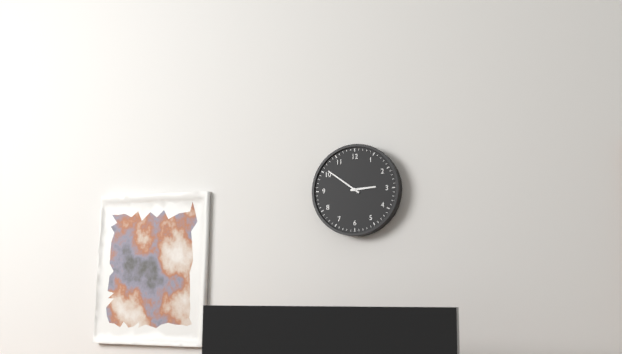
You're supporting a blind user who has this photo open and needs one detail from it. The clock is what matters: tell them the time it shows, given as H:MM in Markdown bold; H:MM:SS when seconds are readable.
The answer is **2:51**
